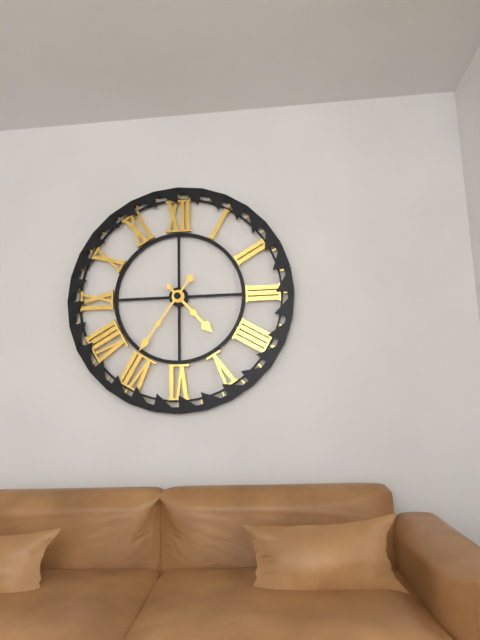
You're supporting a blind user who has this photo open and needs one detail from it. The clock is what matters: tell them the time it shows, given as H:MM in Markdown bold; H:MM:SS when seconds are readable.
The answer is **4:36**
